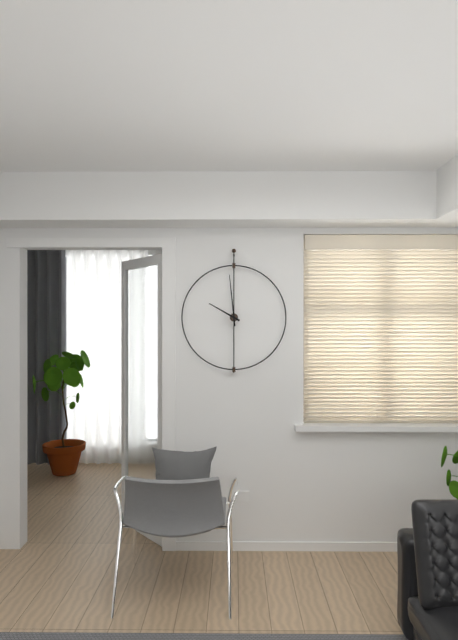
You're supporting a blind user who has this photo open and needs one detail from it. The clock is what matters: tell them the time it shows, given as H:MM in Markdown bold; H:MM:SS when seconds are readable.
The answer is **9:59**
